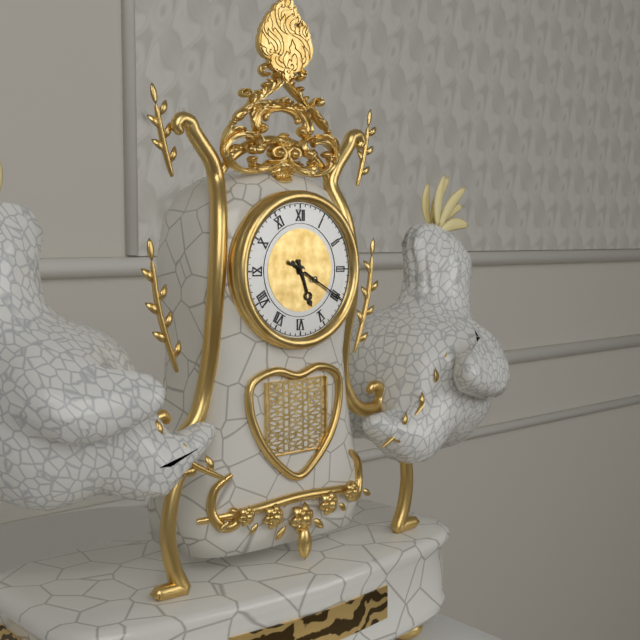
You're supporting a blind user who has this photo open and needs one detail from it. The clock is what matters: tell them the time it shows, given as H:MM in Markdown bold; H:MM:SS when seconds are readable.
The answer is **5:20:20**
